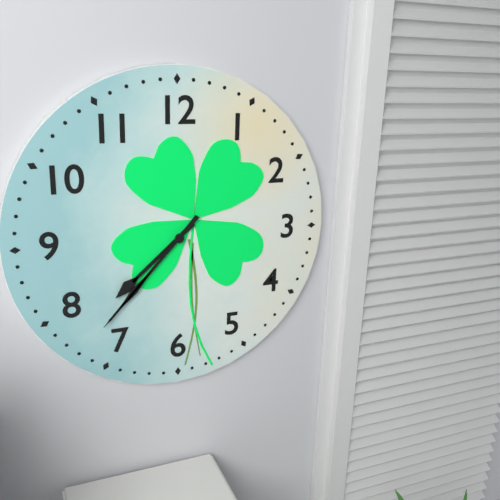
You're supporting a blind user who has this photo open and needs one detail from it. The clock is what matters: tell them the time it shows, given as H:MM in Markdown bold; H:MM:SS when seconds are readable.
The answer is **7:37**
